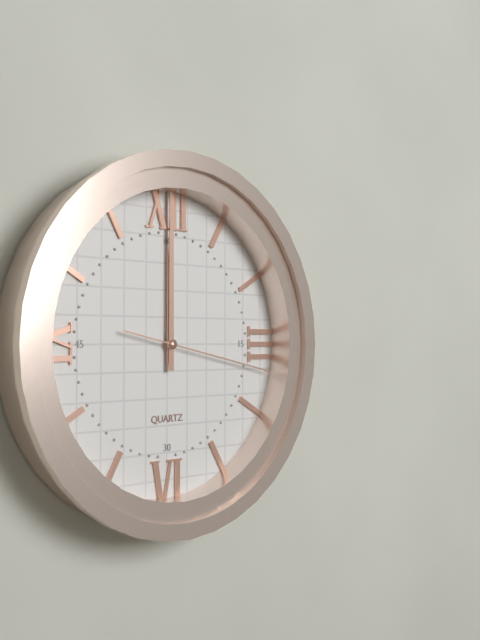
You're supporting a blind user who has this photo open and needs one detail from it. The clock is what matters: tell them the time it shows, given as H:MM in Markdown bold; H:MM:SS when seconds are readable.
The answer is **12:00:17**
